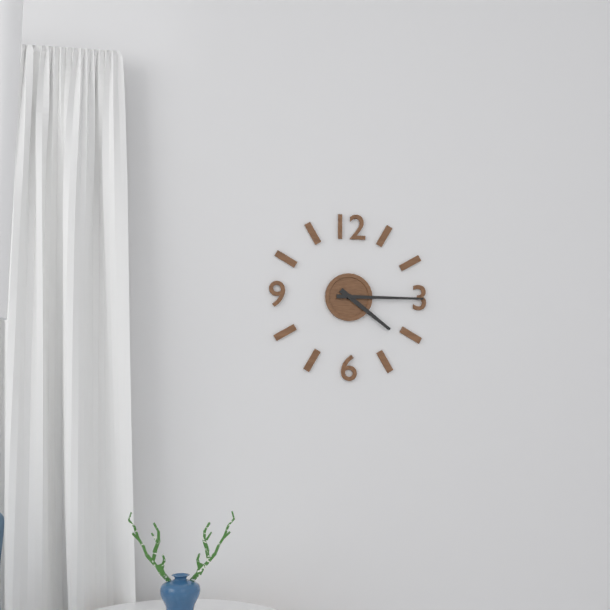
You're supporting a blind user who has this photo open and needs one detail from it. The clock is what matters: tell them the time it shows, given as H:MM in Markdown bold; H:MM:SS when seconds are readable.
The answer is **4:15**
